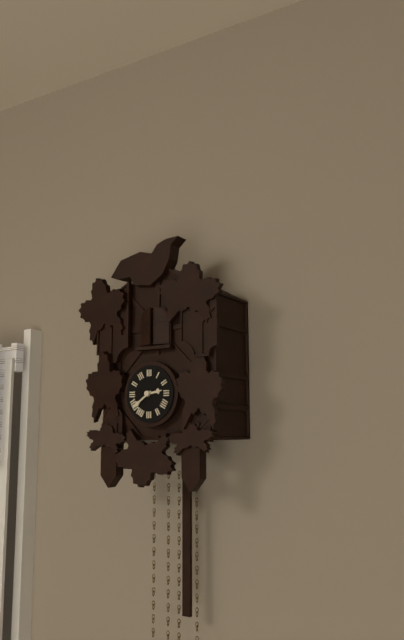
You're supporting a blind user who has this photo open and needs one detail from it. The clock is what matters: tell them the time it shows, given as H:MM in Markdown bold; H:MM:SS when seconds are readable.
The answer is **2:39**
